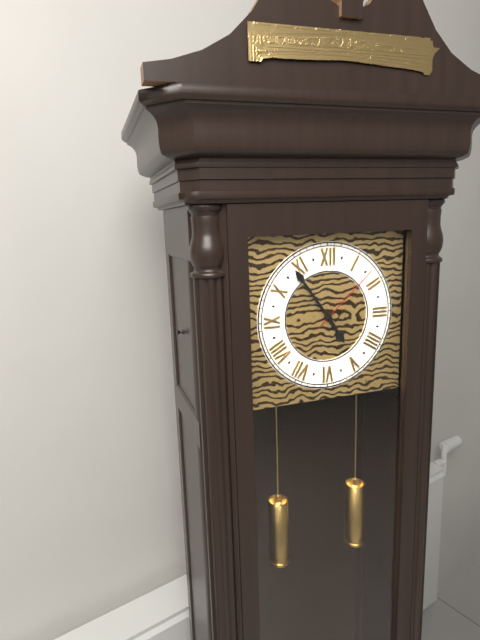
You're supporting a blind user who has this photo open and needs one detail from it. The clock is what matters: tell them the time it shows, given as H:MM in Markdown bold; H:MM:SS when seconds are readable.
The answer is **4:54:08**
